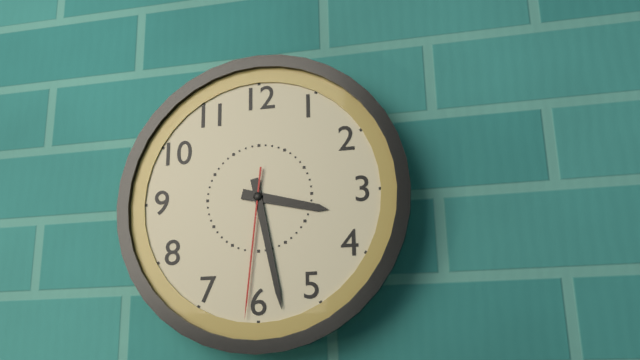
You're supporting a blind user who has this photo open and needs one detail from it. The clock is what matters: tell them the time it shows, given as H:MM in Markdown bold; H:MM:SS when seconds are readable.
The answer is **3:28:31**
